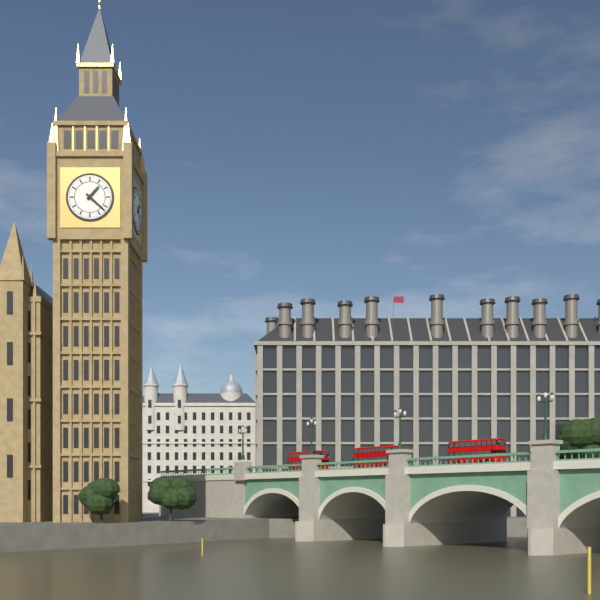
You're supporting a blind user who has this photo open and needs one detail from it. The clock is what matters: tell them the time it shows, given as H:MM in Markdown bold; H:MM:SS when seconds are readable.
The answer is **1:22**
